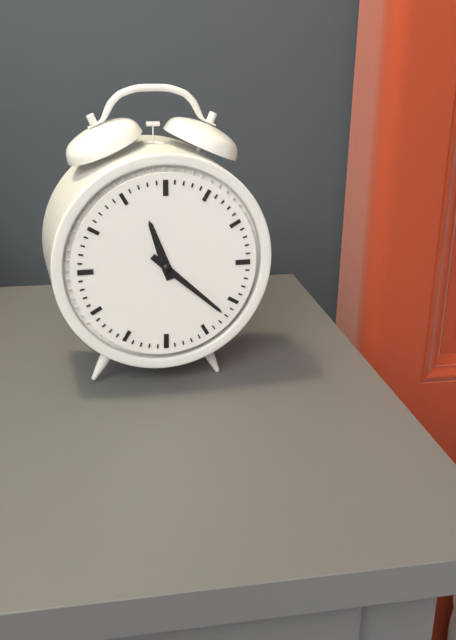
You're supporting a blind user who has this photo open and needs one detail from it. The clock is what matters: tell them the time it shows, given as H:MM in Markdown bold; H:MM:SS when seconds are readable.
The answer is **11:22**
